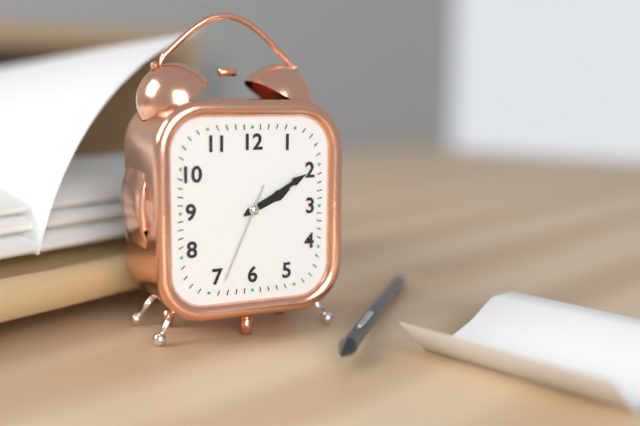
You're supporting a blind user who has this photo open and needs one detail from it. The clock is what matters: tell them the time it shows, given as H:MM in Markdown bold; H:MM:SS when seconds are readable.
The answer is **2:10:34**
